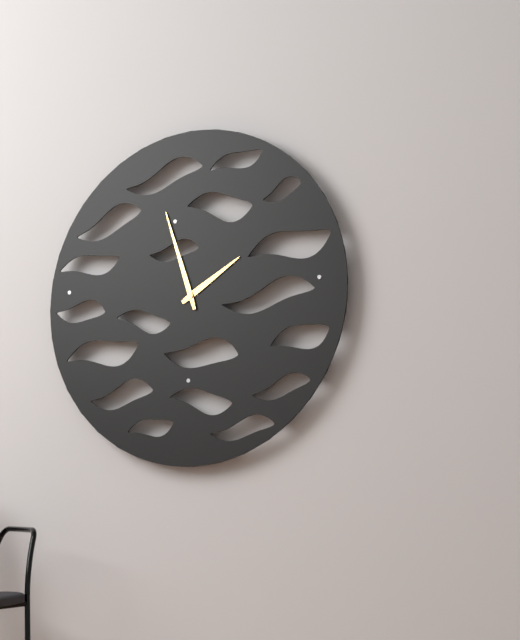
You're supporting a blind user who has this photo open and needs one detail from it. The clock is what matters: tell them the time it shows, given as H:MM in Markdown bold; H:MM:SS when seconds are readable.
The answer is **1:57**
